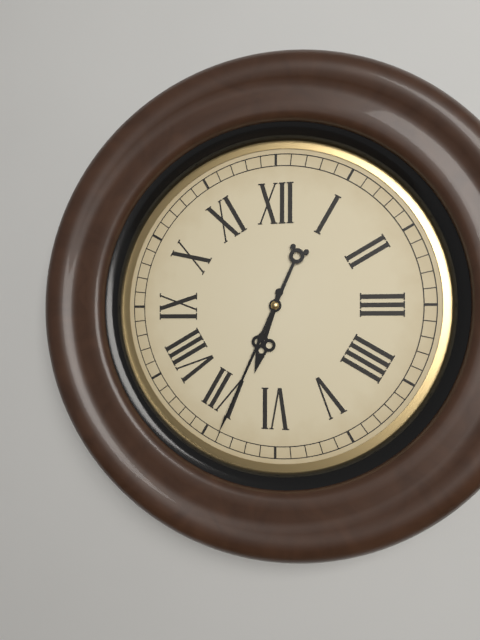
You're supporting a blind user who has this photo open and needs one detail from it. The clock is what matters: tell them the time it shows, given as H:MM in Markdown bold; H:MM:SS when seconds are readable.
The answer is **6:34**
